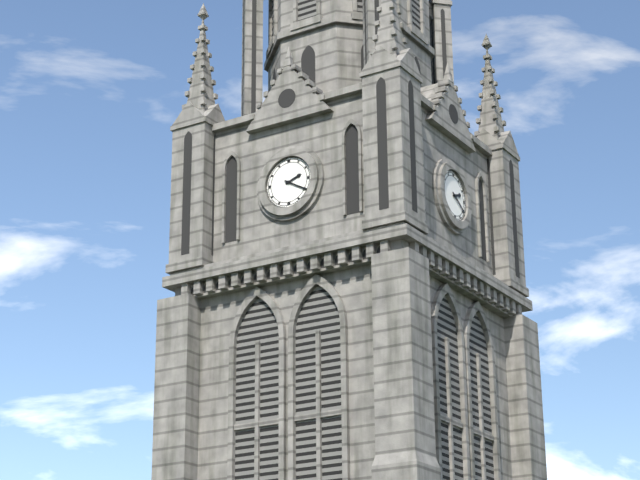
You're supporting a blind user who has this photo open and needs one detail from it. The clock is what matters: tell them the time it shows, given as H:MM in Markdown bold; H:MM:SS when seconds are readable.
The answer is **2:20**
